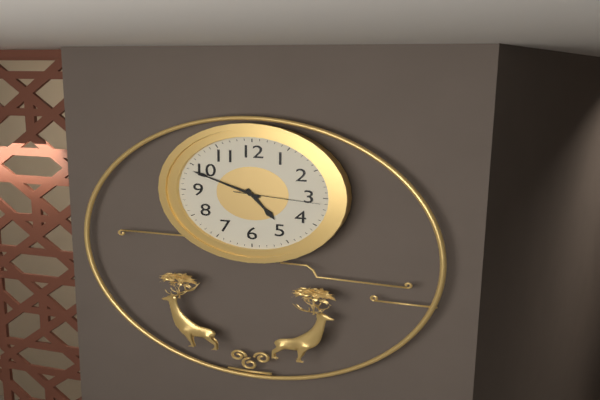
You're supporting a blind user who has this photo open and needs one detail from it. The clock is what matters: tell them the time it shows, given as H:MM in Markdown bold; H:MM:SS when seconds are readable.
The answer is **4:49:16**
